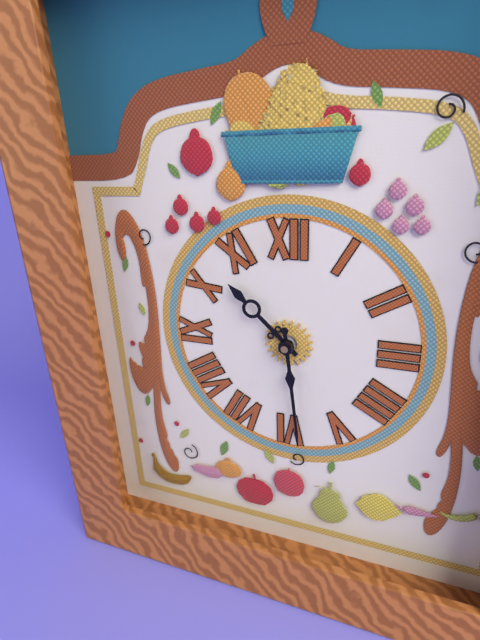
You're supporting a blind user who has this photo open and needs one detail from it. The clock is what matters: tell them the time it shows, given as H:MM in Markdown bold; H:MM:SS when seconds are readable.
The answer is **10:29**
